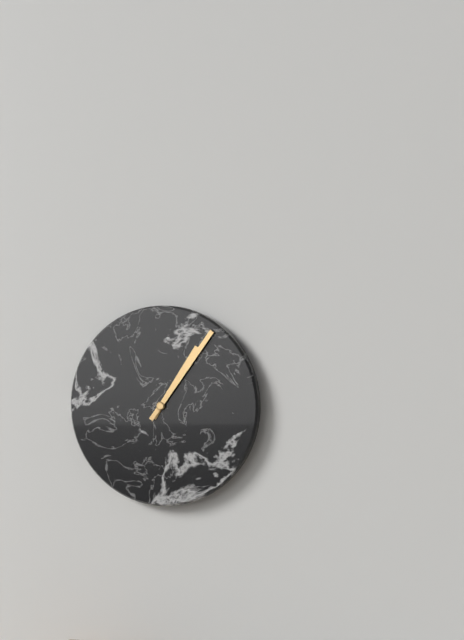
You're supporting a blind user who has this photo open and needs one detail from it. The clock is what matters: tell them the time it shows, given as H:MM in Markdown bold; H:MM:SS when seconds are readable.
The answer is **1:06**
